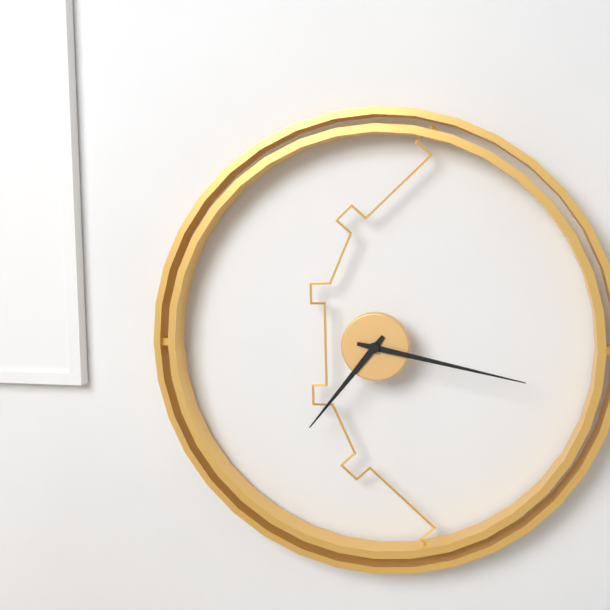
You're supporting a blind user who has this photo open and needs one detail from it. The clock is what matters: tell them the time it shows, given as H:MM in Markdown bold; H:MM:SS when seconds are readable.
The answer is **7:17**
